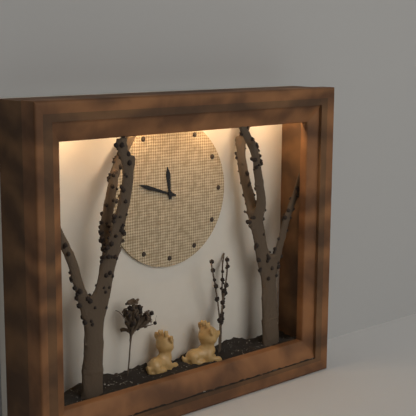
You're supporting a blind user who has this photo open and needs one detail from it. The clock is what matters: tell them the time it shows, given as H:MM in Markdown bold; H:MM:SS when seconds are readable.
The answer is **11:48**
